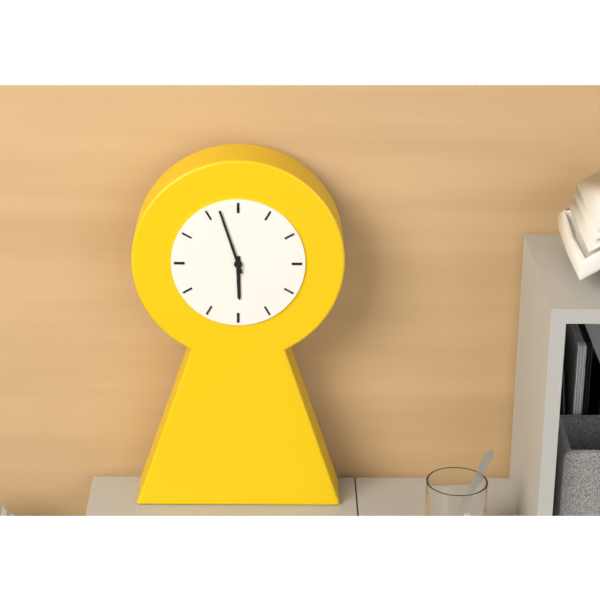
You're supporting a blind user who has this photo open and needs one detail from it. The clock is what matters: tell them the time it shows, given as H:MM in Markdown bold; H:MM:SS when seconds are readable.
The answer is **5:57**
